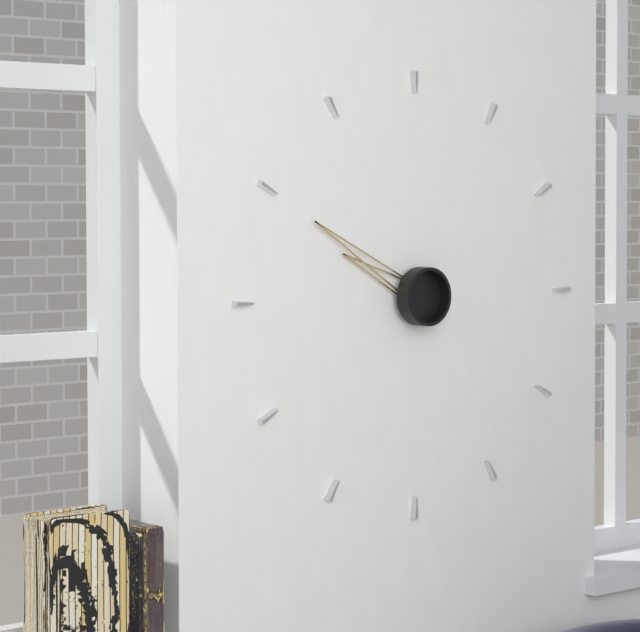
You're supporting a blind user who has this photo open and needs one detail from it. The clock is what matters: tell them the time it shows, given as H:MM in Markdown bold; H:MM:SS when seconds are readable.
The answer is **9:50**
